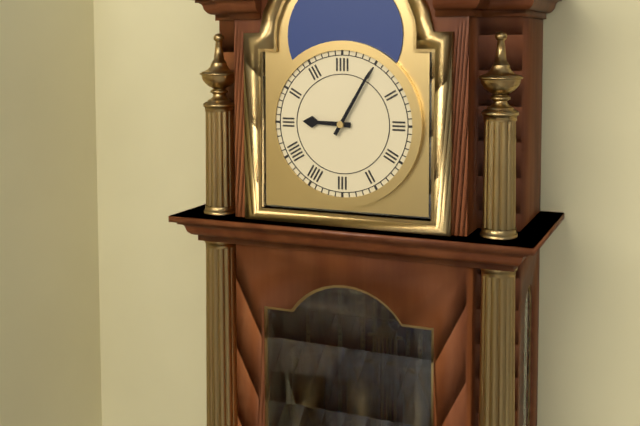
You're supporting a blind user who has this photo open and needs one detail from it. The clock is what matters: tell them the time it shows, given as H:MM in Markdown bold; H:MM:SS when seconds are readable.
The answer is **9:05**
